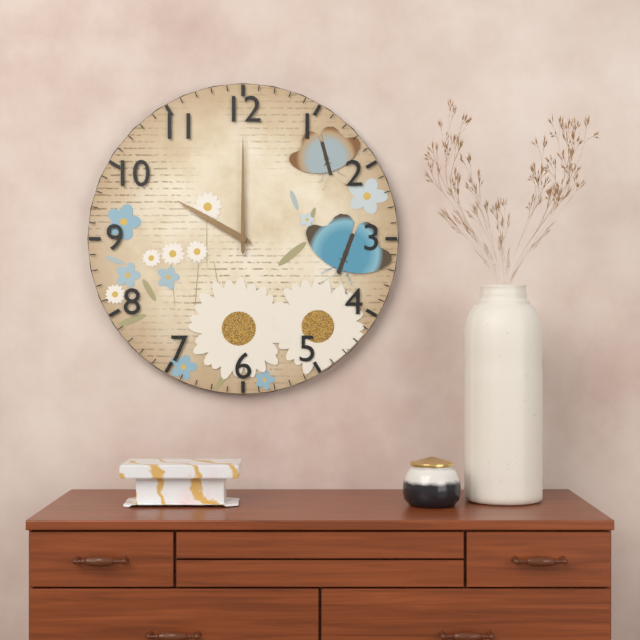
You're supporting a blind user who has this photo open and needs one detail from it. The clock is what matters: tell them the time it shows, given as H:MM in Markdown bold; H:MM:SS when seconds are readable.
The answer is **10:00**
